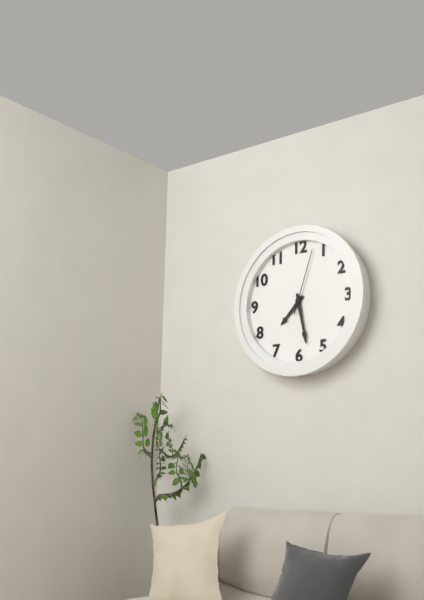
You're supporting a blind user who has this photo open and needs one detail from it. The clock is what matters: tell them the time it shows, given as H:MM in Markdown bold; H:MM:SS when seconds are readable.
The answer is **7:28:03**
